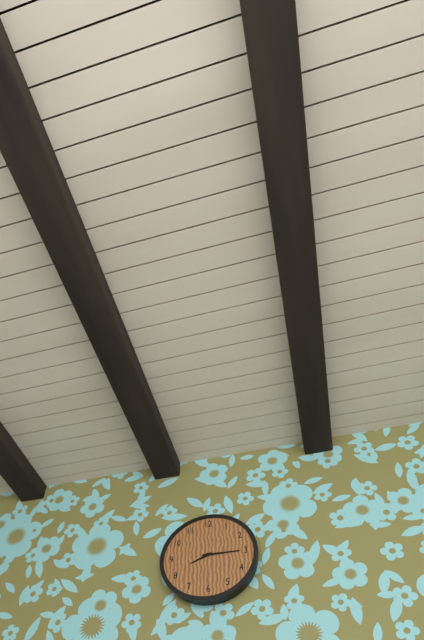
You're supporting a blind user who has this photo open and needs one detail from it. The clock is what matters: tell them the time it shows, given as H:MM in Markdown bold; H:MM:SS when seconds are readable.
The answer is **8:15**
